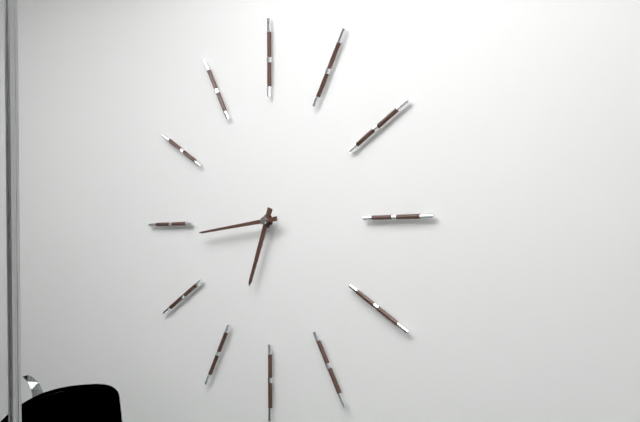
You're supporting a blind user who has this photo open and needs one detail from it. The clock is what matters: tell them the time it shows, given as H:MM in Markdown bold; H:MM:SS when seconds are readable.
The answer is **6:44**
